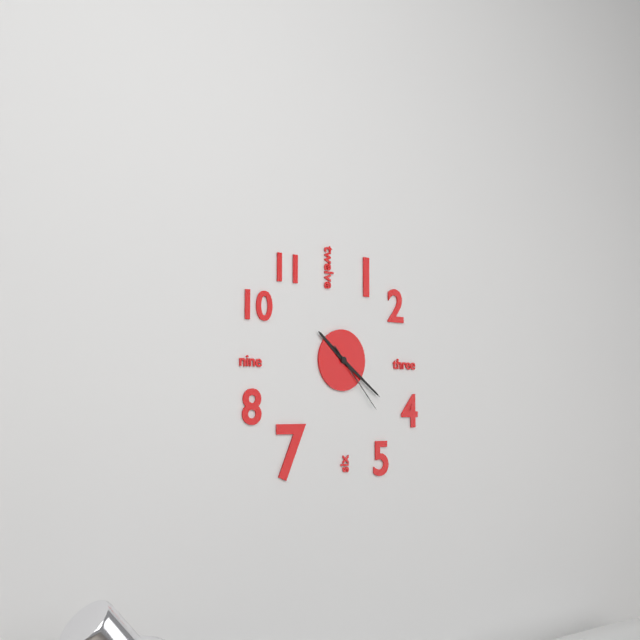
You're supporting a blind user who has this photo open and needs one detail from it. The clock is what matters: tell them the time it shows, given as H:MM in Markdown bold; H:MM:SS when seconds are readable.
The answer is **10:21:23**
